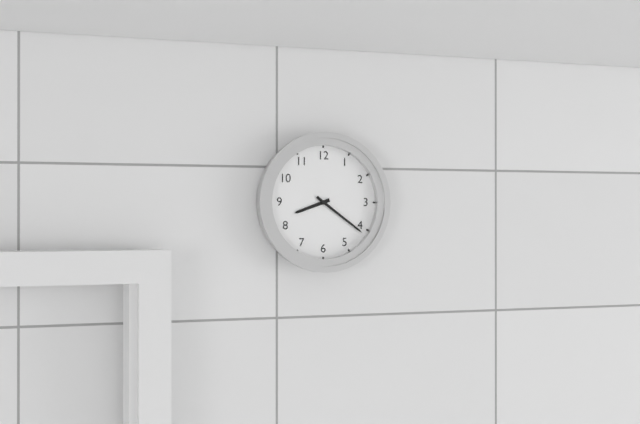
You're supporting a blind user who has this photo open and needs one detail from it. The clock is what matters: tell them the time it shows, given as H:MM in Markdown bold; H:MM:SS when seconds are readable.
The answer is **8:21**
